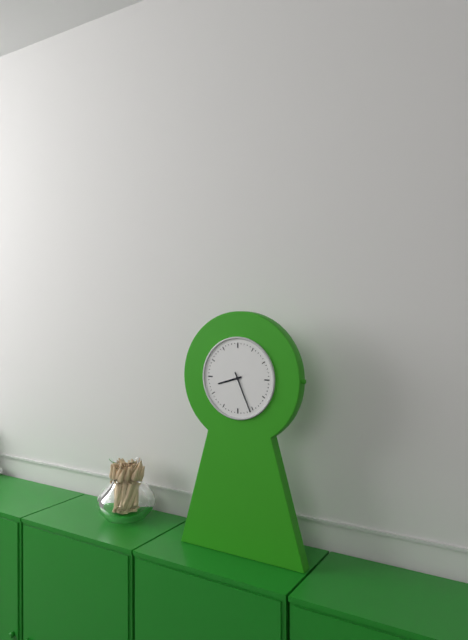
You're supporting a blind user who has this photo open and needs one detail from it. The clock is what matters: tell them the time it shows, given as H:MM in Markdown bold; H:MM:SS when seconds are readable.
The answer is **8:26**
